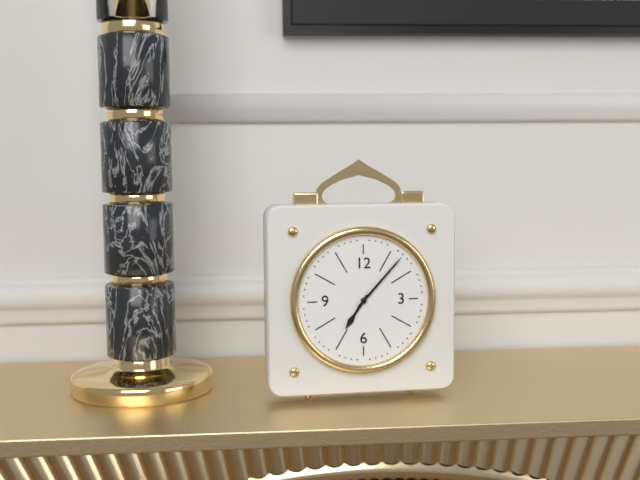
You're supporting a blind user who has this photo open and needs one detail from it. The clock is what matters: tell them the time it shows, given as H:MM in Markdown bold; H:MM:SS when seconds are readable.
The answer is **7:07**
